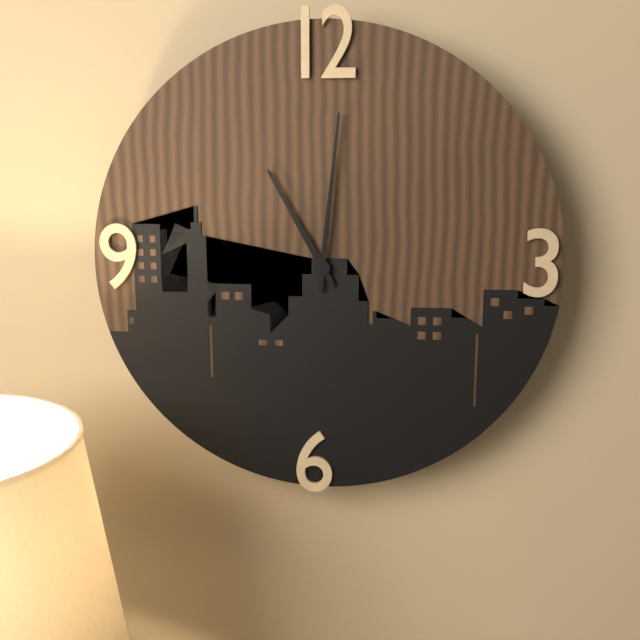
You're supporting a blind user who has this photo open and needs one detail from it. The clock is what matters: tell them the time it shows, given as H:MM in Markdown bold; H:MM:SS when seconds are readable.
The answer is **11:01**
